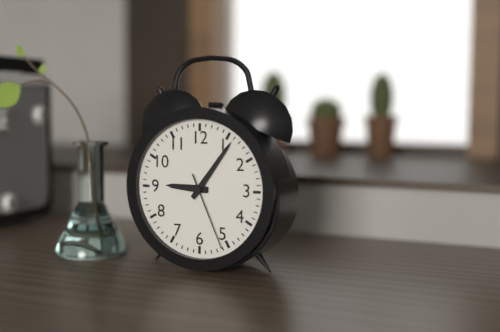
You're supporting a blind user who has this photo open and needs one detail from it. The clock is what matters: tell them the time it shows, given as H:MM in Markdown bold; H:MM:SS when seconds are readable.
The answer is **9:06:26**
